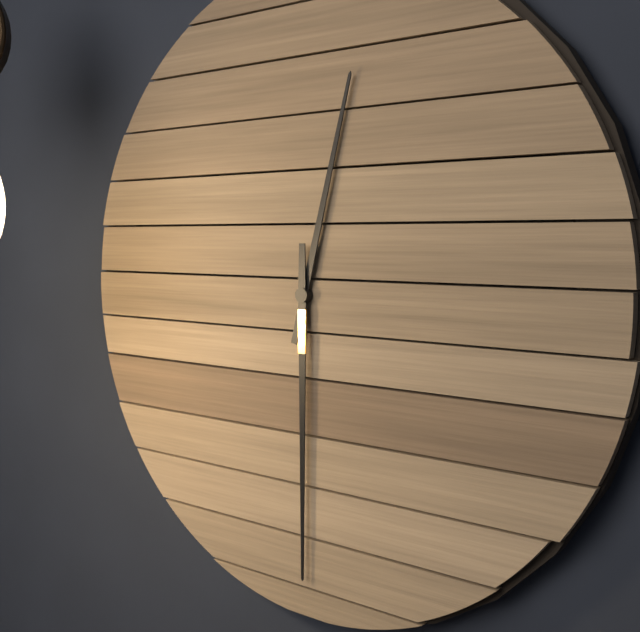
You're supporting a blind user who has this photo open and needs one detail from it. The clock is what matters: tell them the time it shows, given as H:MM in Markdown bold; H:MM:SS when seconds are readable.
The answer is **12:30**
